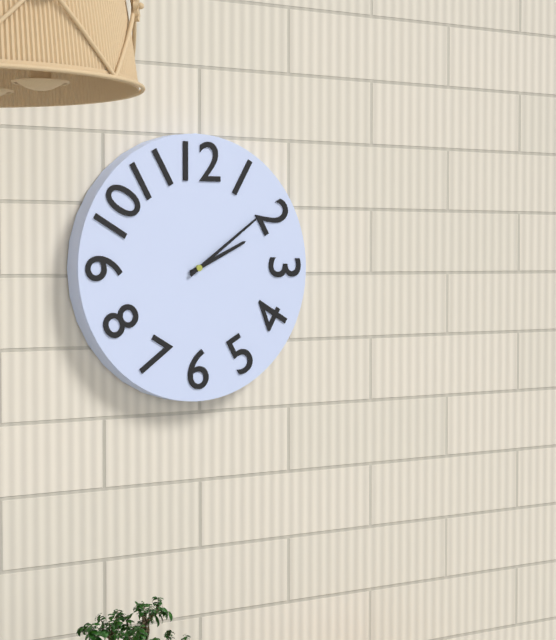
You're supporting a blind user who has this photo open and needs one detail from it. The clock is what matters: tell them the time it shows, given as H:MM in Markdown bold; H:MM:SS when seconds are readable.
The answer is **2:09**
